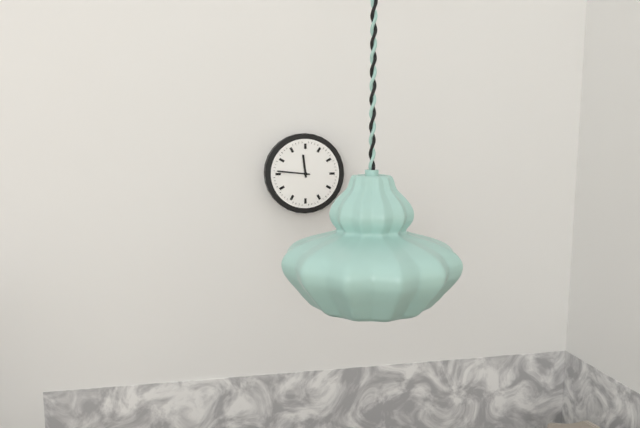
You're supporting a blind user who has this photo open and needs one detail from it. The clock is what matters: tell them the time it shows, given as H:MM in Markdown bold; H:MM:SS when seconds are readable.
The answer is **11:46**
